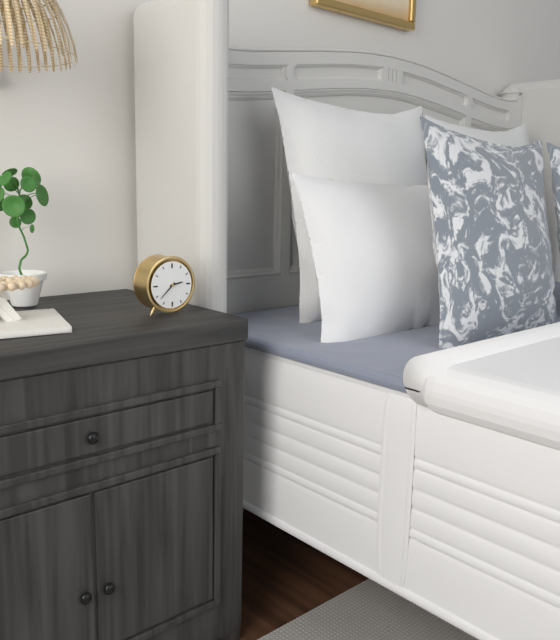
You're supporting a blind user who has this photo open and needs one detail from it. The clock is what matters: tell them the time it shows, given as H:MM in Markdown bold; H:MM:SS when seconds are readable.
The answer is **2:38**
